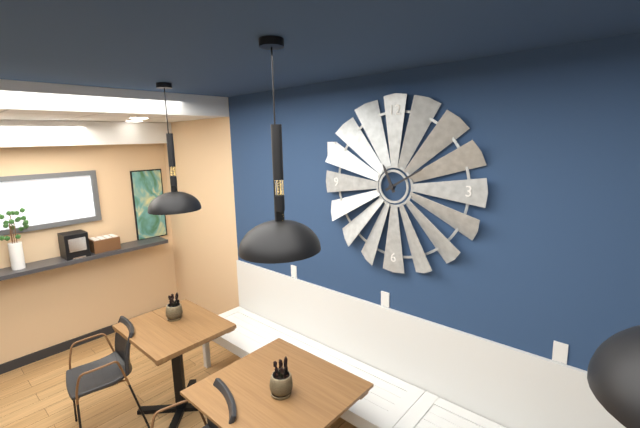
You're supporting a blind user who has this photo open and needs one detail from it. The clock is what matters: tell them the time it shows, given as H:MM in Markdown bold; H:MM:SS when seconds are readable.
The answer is **11:10**
